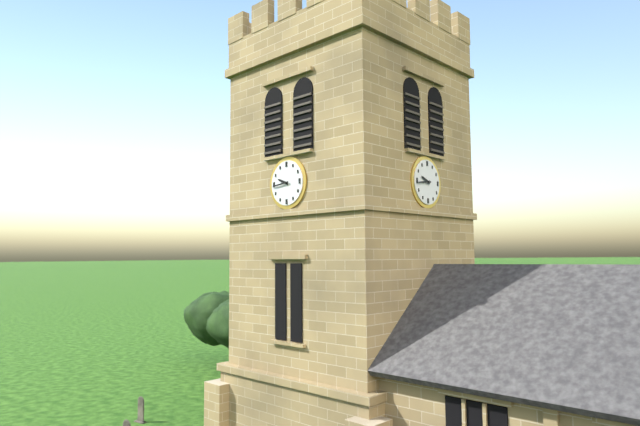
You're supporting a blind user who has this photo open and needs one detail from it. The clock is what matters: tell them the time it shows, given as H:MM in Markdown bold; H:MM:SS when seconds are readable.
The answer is **9:44**
